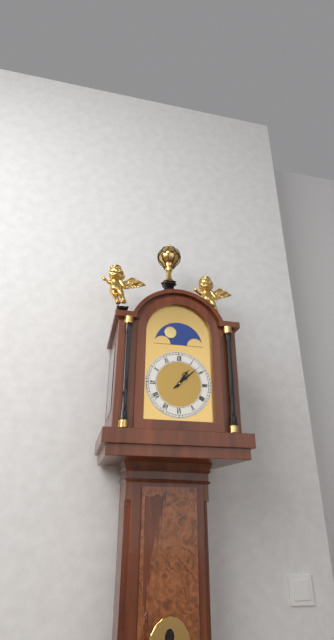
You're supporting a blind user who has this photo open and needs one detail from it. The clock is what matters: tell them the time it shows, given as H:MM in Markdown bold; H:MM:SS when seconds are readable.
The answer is **1:08**
